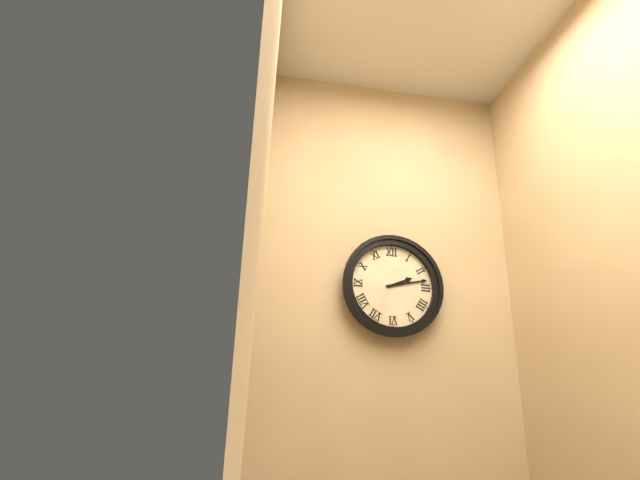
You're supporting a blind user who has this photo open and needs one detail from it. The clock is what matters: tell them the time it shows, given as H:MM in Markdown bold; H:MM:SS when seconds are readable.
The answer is **2:13**
